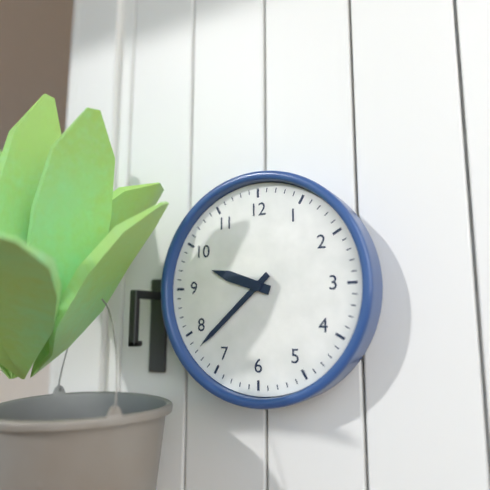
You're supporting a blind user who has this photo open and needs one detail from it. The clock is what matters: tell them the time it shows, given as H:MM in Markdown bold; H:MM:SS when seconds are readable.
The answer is **9:38**
